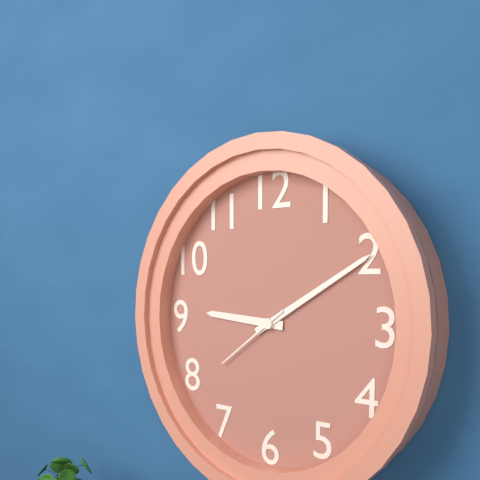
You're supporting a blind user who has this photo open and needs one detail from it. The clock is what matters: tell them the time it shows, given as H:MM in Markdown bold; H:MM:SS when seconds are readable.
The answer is **9:10:39**
